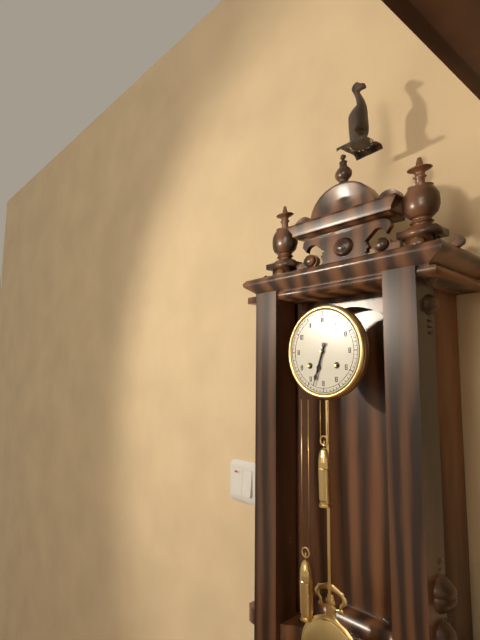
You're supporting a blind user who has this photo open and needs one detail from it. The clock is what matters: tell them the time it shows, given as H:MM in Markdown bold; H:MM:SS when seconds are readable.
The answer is **6:33**
